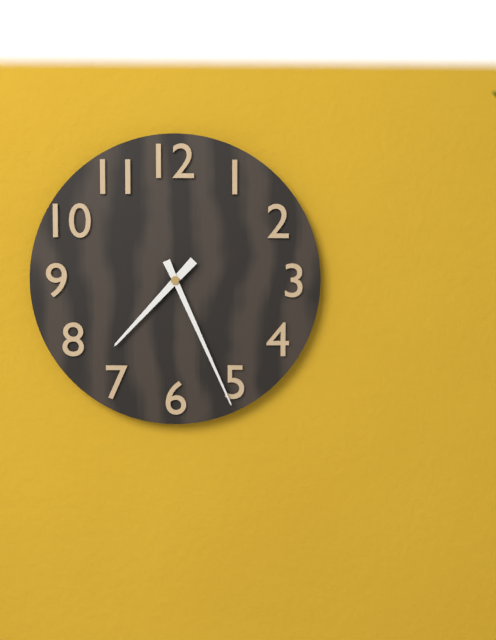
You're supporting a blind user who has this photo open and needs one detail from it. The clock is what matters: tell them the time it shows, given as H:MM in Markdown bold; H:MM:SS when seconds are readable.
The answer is **7:26**
